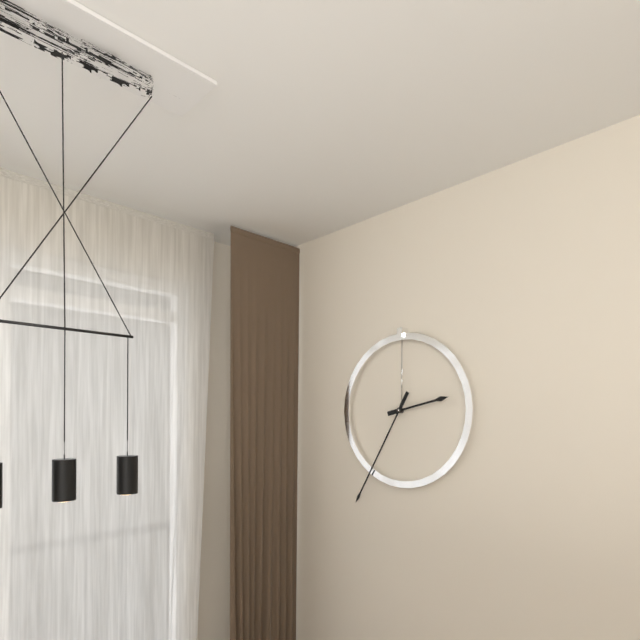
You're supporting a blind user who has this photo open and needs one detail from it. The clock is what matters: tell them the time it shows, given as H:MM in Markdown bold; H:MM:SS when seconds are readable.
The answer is **2:35**
